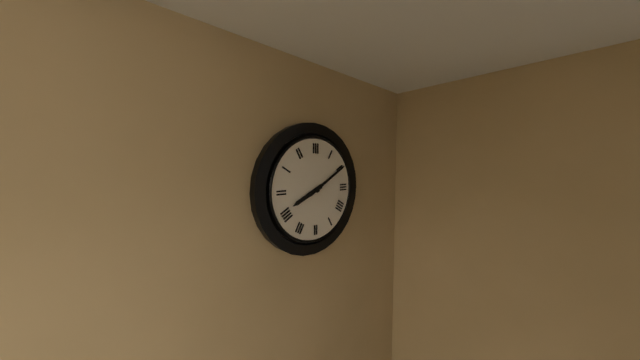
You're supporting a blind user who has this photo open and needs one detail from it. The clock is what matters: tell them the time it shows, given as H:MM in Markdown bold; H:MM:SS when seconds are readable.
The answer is **8:10**
